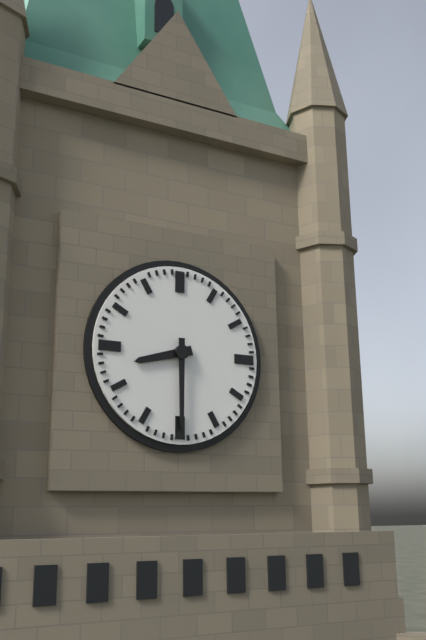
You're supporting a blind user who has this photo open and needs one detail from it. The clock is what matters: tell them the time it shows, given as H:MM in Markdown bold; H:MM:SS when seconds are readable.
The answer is **8:30**
